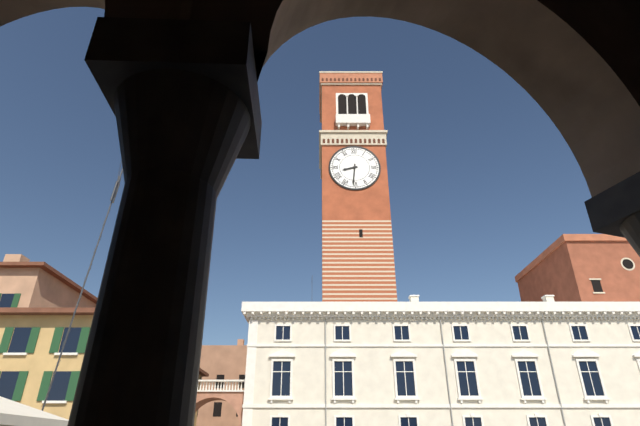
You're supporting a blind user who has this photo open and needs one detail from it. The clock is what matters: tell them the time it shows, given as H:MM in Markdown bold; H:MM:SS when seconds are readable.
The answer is **8:31**
